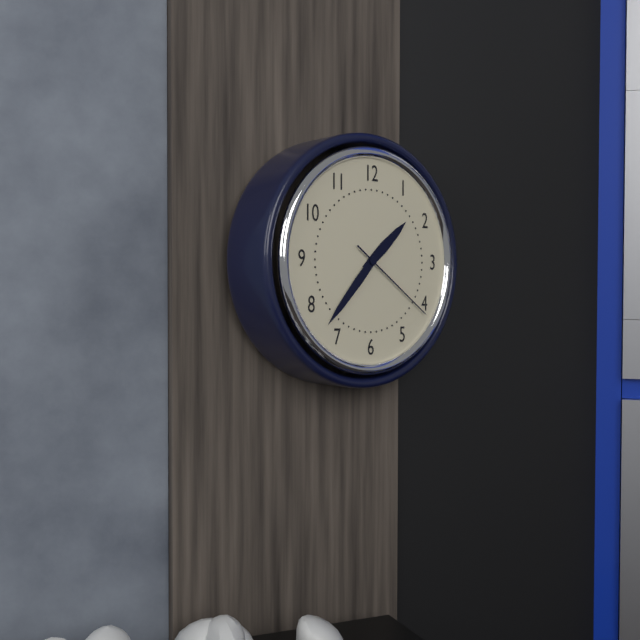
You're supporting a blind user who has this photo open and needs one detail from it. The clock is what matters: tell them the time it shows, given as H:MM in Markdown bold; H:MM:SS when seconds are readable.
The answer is **1:37:21**
